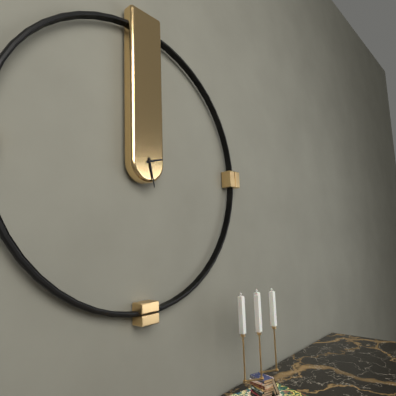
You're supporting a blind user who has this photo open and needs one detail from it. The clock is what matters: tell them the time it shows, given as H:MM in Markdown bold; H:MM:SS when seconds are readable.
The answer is **2:28**
